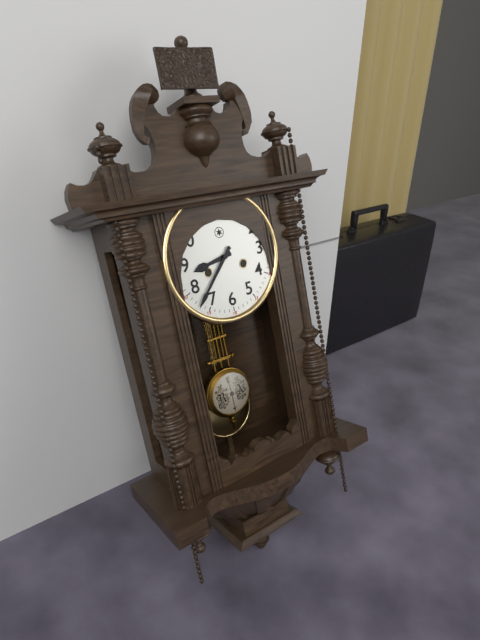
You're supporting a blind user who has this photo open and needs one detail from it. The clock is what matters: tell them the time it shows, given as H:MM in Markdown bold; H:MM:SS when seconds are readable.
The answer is **8:37**
